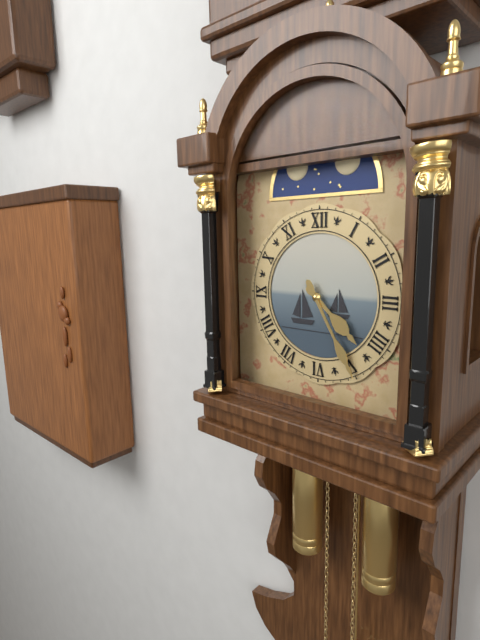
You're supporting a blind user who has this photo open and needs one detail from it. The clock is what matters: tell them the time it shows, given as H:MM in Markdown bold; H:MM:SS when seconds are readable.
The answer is **4:25**
